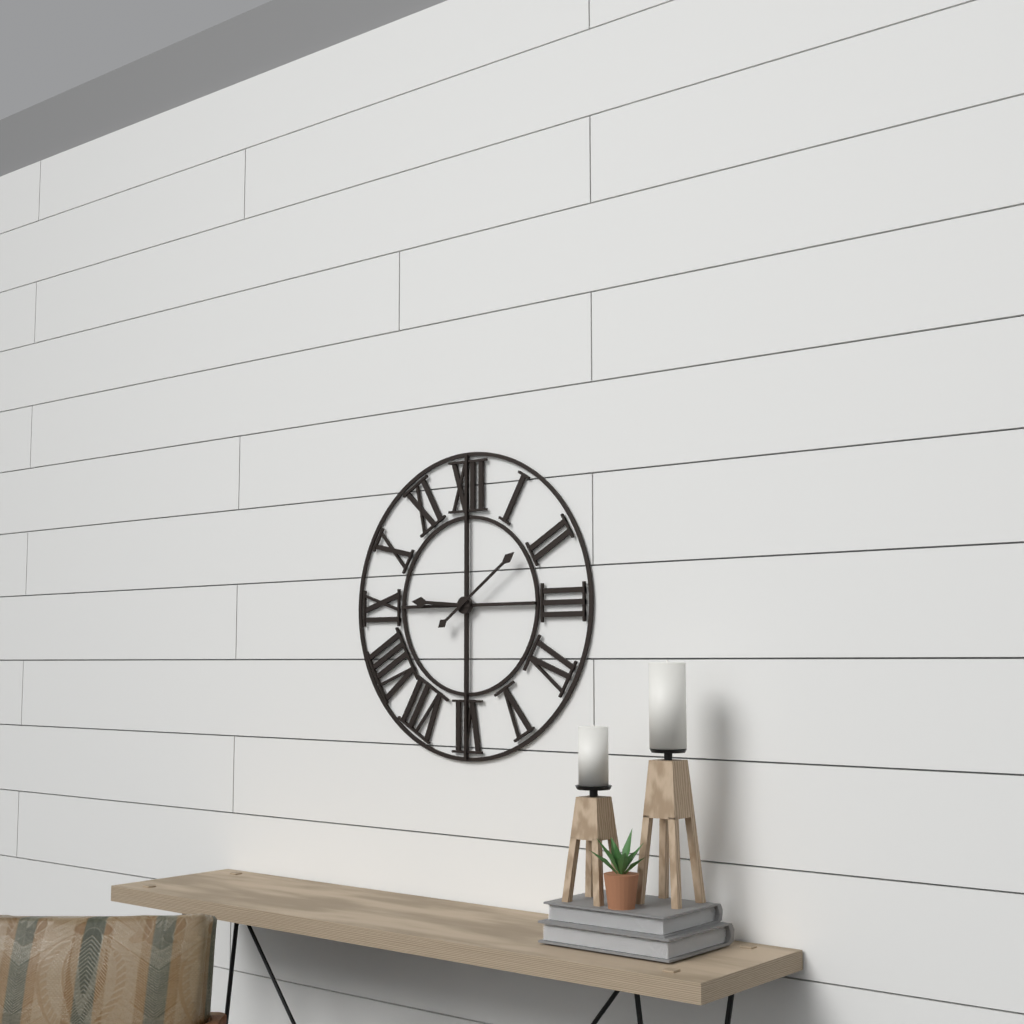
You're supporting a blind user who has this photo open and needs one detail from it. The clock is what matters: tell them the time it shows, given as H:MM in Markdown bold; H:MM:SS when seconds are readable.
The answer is **9:09**
